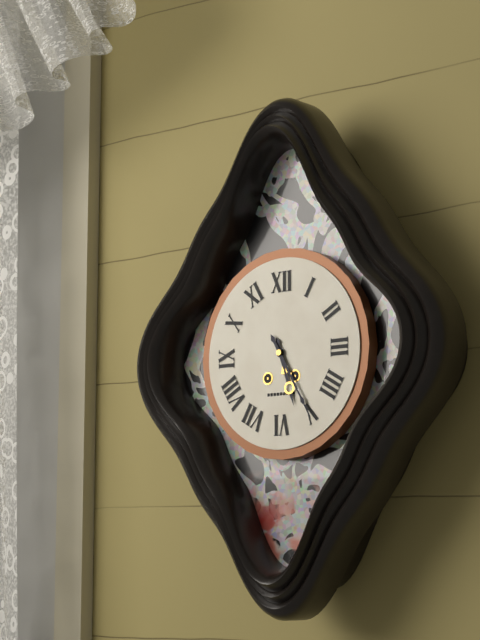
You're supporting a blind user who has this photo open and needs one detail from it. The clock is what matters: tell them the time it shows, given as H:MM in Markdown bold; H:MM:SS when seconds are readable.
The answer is **5:25**
